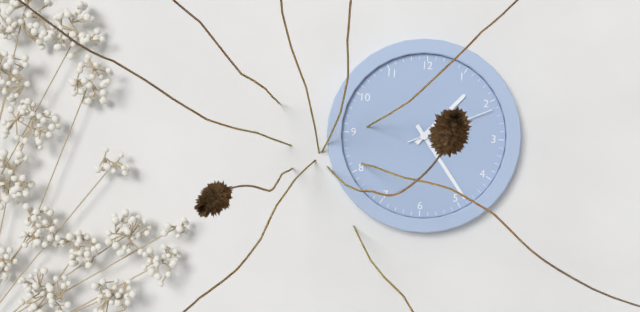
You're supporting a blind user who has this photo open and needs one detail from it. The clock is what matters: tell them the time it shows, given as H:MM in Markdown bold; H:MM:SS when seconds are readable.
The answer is **1:24:11**
